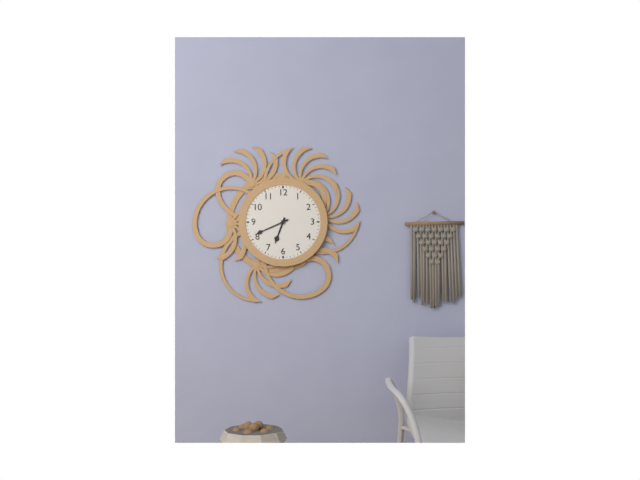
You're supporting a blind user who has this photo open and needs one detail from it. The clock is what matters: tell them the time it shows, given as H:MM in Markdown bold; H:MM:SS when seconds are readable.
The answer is **6:41**
